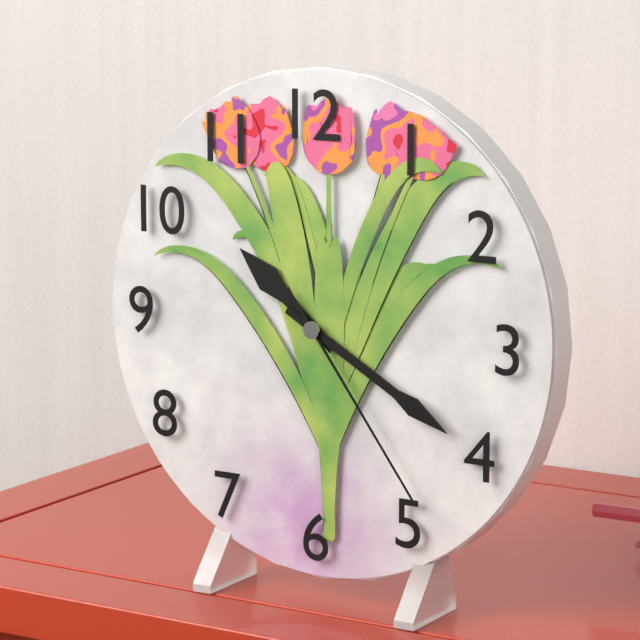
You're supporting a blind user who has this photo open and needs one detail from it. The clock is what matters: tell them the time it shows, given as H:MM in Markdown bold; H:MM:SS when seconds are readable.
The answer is **10:20:24**
